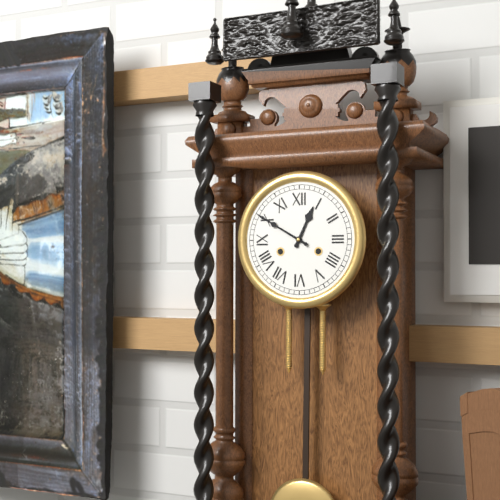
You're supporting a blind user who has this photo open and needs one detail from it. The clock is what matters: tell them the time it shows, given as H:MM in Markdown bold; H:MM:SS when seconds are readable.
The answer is **12:50**
